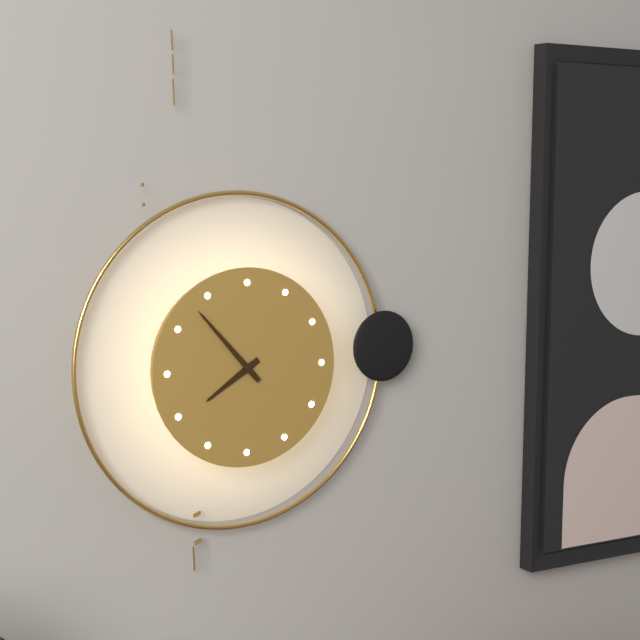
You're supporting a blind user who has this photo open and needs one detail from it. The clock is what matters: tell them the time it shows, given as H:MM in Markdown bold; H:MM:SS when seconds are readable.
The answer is **7:53**
